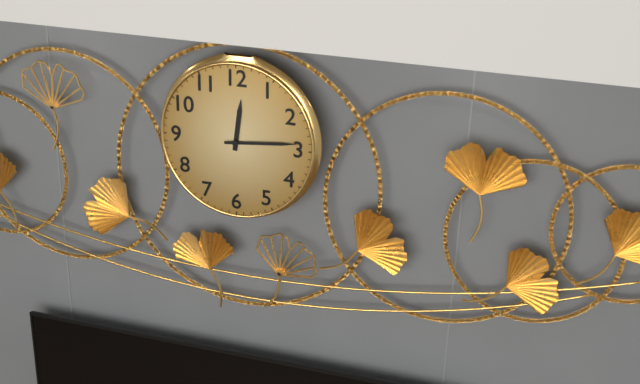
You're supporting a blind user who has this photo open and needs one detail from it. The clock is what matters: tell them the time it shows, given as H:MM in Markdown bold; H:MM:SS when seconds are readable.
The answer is **12:14**
